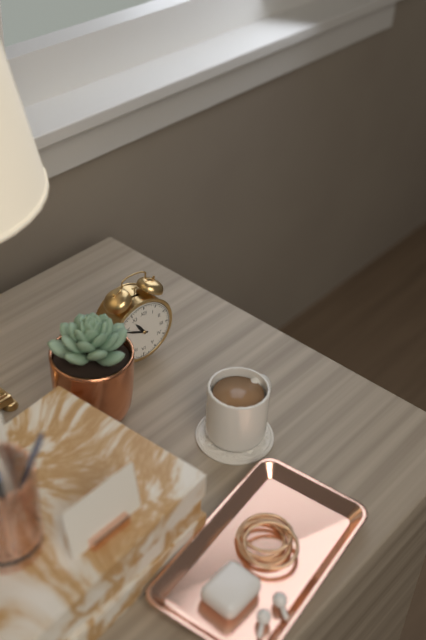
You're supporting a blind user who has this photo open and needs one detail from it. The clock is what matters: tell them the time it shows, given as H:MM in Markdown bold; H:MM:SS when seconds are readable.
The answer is **10:49**
